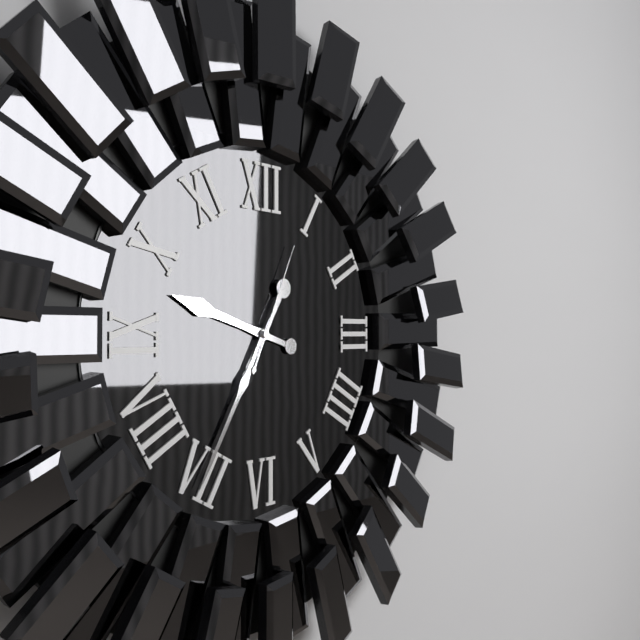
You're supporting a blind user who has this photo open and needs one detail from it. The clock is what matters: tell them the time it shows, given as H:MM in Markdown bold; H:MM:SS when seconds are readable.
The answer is **9:35:04**
